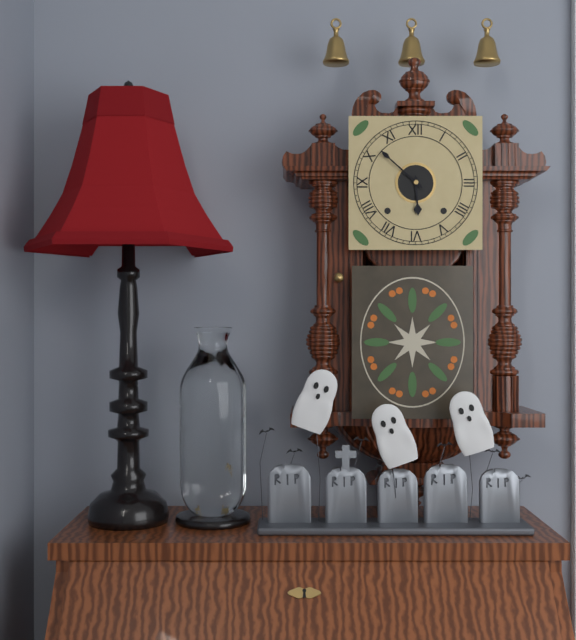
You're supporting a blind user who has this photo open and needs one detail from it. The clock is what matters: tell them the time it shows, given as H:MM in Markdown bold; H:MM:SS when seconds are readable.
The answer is **5:52**
